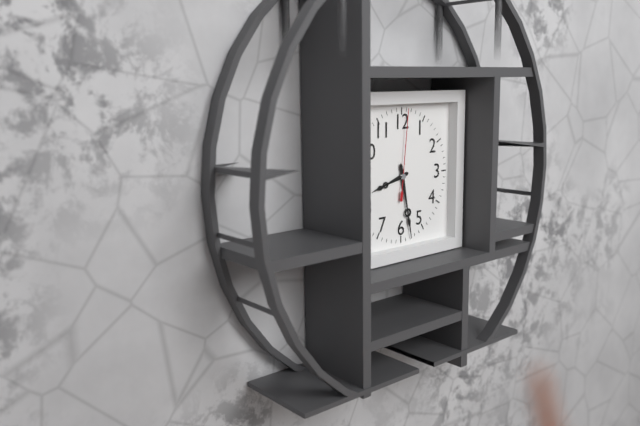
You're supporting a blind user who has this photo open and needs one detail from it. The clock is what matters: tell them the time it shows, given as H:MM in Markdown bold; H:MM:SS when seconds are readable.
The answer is **8:28:01**
